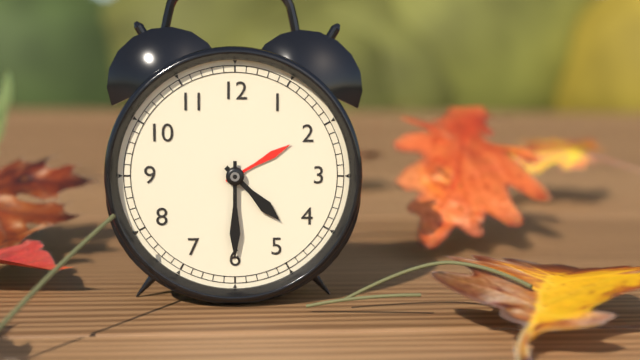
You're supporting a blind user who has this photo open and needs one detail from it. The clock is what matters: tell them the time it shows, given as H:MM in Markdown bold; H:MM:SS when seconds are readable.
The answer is **4:30**
